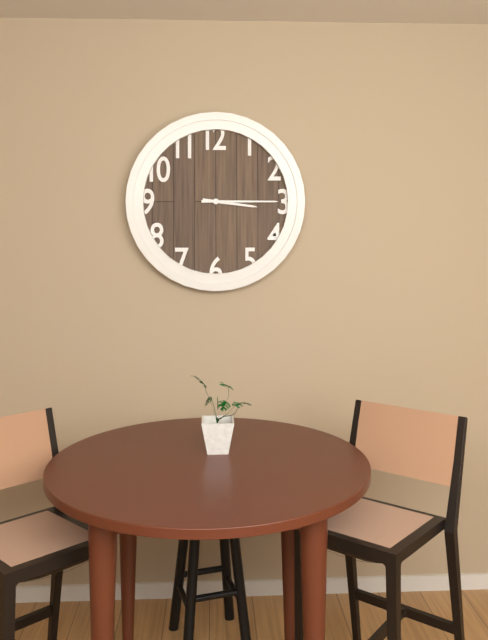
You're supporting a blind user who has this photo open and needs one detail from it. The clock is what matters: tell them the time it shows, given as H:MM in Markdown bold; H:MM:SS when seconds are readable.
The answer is **3:15**
